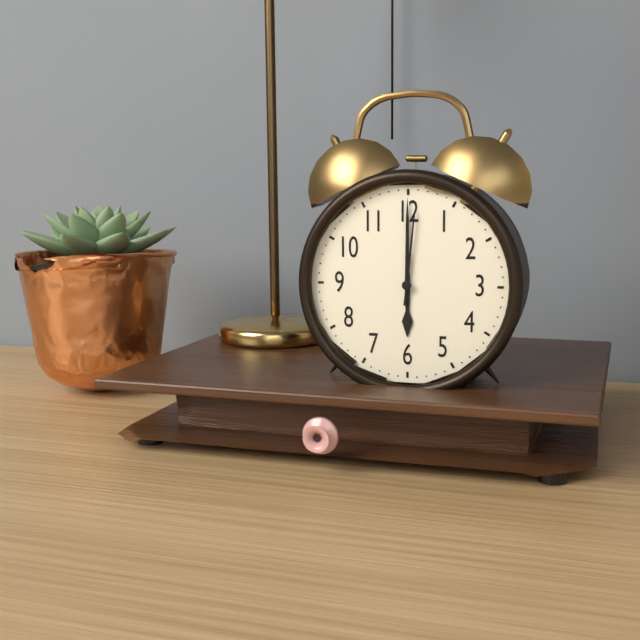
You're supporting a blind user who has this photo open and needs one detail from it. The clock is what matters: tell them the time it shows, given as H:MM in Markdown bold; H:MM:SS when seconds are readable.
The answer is **6:00:01**
